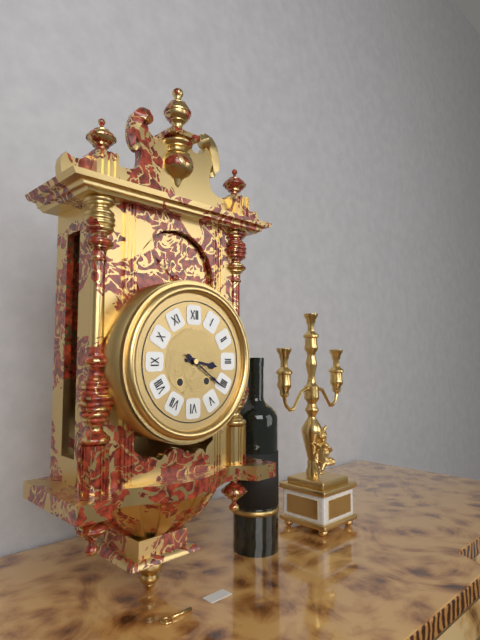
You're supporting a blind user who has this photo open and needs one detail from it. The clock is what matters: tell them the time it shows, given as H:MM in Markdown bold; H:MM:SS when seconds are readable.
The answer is **3:21**
